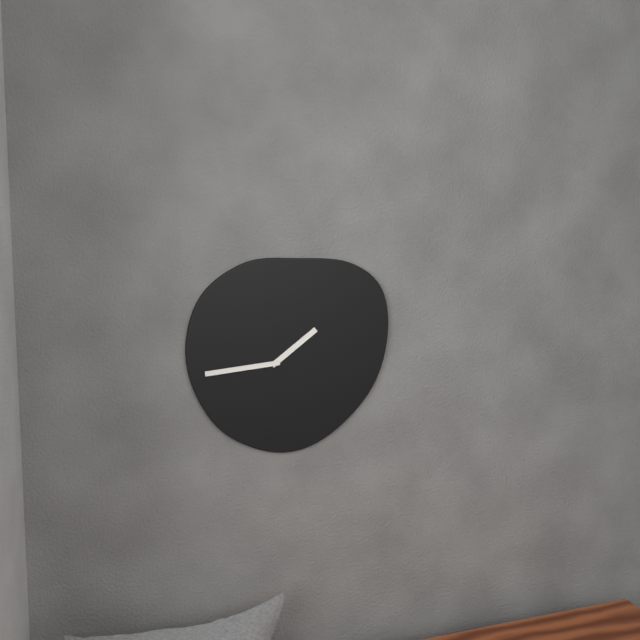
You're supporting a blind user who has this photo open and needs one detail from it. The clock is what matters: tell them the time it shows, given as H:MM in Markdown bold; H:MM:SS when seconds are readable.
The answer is **1:44**
